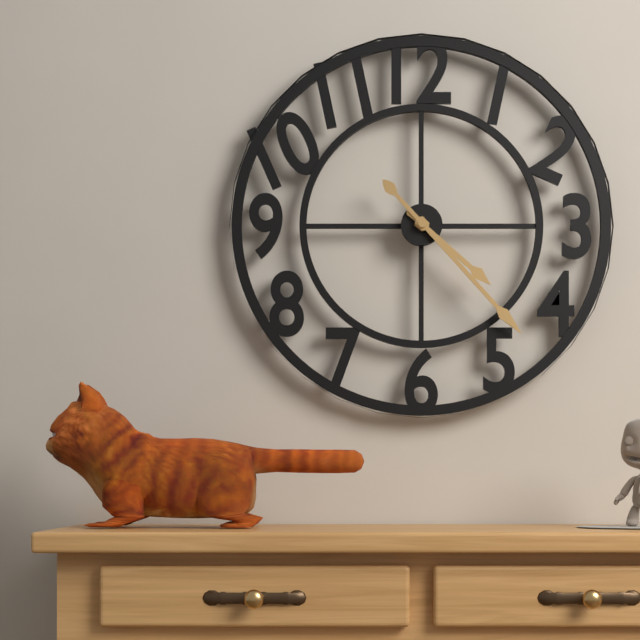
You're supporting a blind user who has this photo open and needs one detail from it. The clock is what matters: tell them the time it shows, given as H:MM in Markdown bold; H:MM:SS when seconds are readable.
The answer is **4:23**
